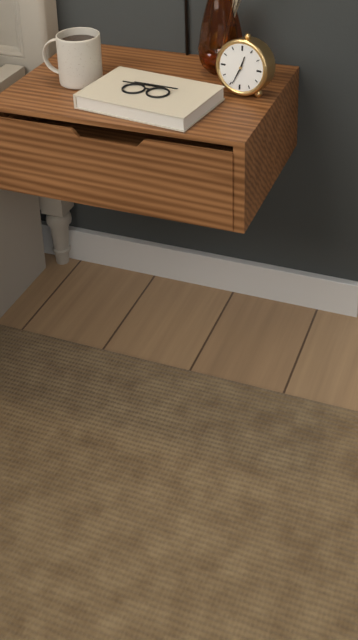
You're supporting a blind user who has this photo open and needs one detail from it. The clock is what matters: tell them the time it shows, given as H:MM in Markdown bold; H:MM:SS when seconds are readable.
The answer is **12:34**
